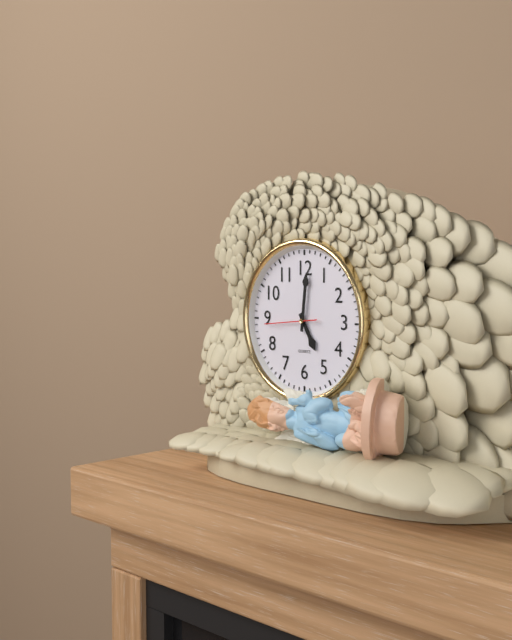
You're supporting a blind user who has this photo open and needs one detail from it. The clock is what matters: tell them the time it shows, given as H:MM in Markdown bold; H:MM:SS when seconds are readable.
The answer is **5:01:44**
